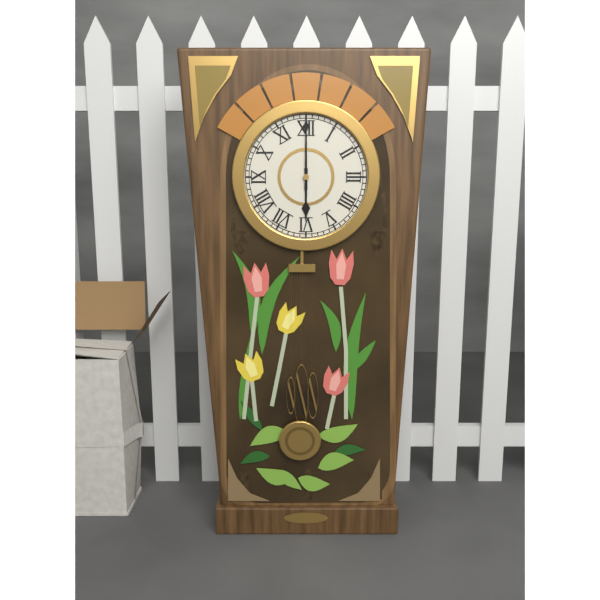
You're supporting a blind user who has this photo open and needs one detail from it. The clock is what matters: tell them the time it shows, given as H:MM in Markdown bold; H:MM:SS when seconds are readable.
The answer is **6:00**
